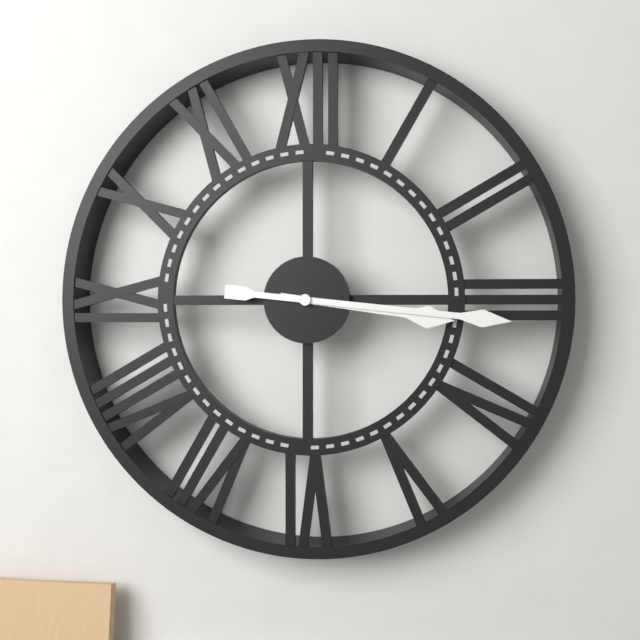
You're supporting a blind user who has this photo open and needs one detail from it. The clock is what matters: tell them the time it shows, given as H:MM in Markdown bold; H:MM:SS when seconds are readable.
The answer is **3:16**
